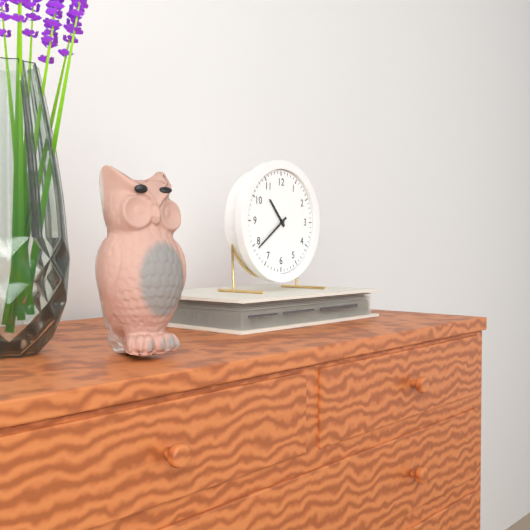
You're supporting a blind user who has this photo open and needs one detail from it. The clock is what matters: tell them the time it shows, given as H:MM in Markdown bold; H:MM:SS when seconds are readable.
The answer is **10:39**
